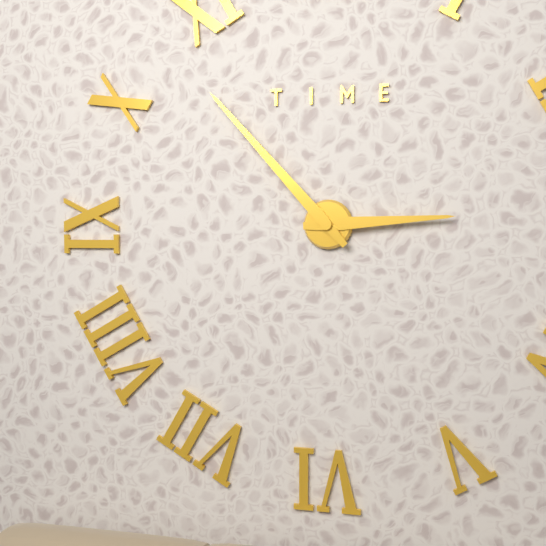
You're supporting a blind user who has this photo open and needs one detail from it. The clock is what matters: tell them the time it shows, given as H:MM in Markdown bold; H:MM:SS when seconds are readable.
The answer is **2:53**
